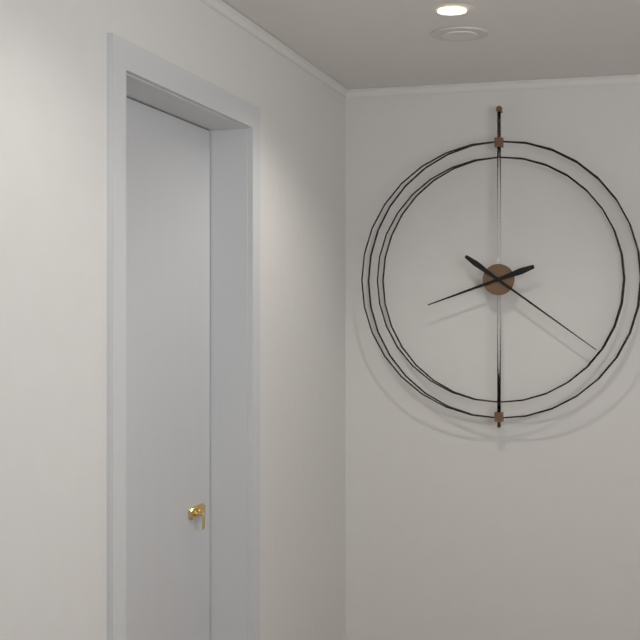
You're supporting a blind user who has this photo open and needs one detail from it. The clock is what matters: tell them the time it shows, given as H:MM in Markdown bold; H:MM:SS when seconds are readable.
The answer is **8:21**
